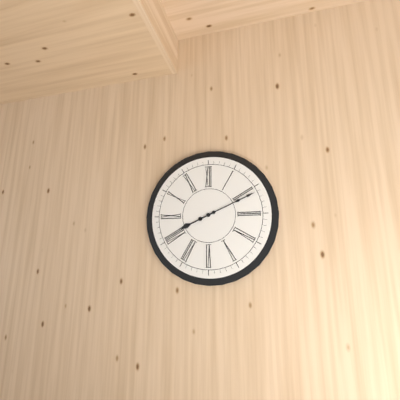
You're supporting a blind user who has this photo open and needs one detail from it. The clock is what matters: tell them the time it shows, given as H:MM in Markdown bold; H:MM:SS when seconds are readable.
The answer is **8:11**
